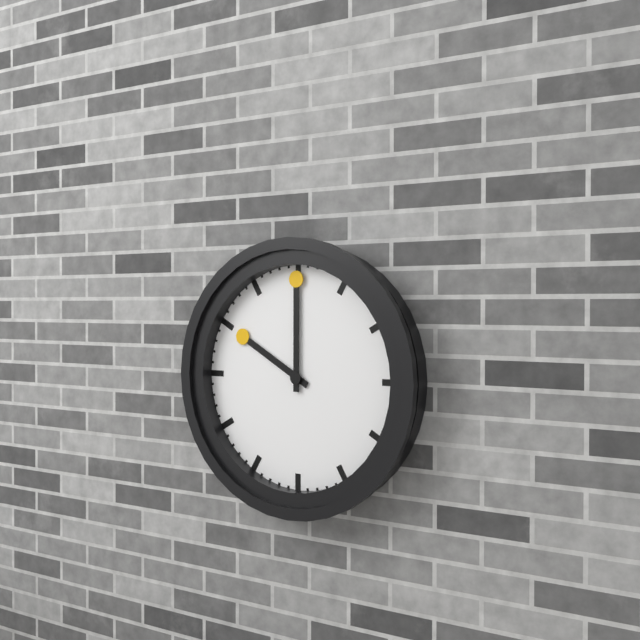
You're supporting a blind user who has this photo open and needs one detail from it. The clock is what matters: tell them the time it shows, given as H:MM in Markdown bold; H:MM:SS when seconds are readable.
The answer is **10:00**
